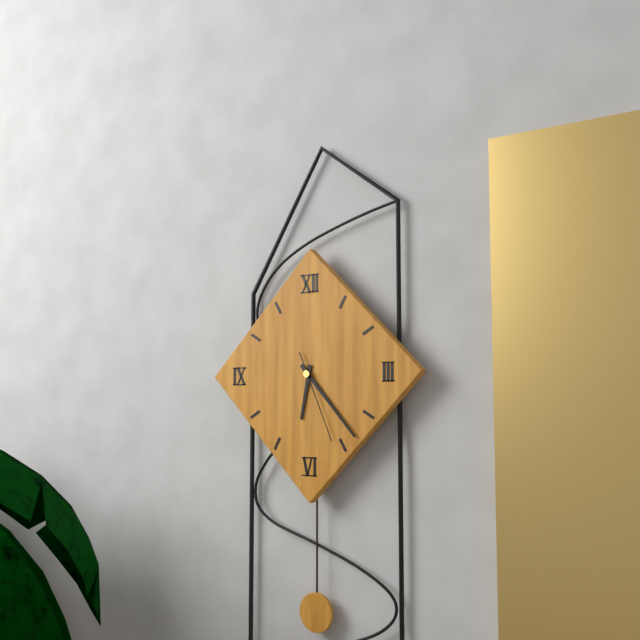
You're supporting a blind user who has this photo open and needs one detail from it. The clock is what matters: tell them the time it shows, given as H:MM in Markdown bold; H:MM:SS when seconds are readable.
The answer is **6:23:26**
